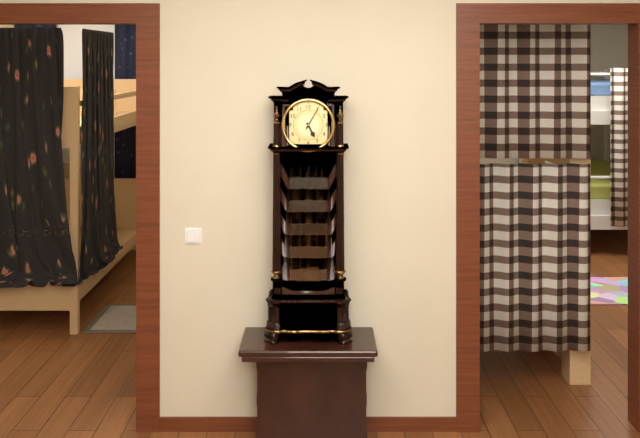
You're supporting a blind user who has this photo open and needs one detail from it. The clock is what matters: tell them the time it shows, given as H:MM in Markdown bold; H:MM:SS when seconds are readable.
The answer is **5:05**
